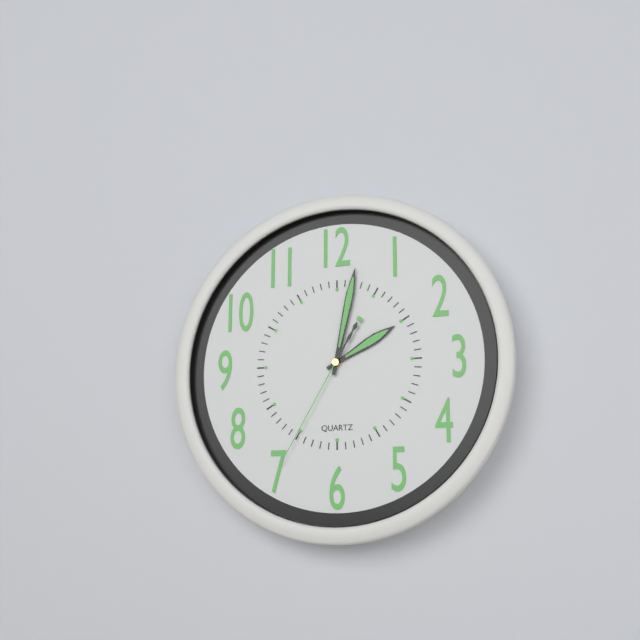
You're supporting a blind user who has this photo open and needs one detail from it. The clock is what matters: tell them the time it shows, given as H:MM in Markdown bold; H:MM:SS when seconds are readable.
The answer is **2:02:35**
